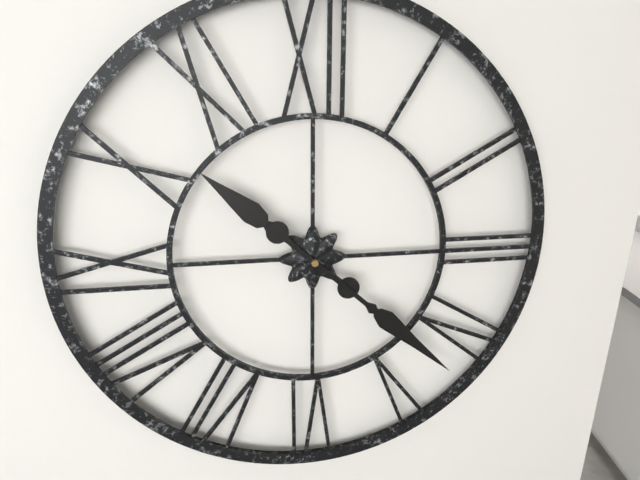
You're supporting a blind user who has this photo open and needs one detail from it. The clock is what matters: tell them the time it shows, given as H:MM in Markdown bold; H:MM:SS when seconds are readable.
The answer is **10:22**
